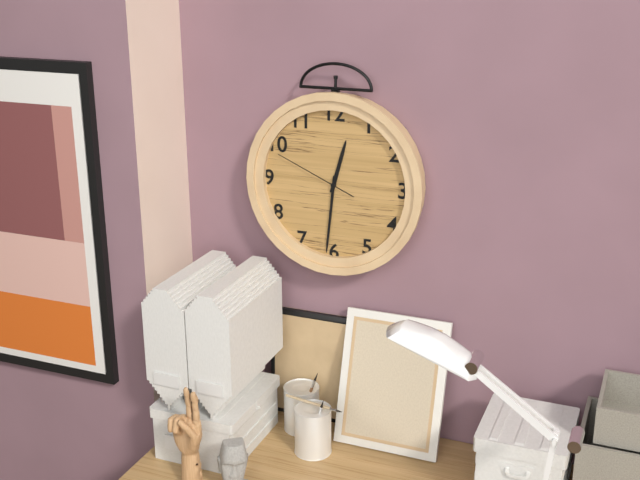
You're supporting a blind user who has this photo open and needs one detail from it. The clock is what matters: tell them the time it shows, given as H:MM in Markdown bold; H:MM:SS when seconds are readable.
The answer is **12:31:49**
